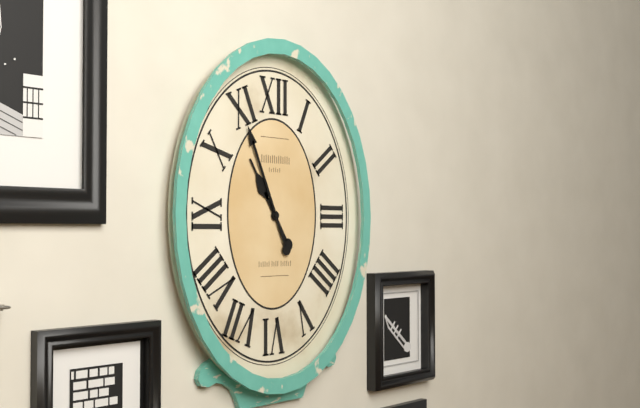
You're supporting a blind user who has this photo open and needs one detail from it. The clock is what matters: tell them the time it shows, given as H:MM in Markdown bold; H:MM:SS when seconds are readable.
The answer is **10:56**
